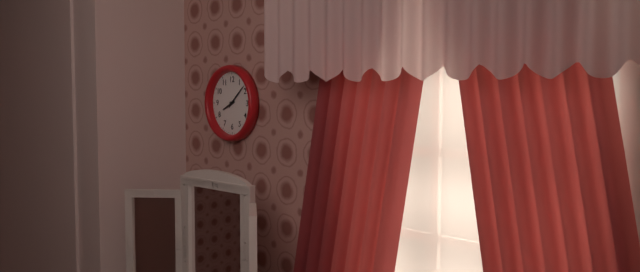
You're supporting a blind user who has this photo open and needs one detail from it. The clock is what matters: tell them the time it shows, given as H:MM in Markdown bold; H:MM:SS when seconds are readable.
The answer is **8:08**
